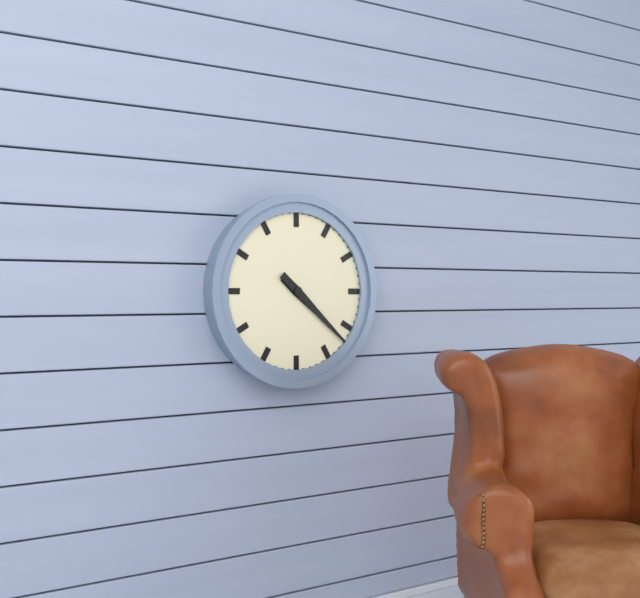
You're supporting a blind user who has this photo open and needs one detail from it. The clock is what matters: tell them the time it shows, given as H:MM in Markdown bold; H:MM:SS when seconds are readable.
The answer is **4:22**
